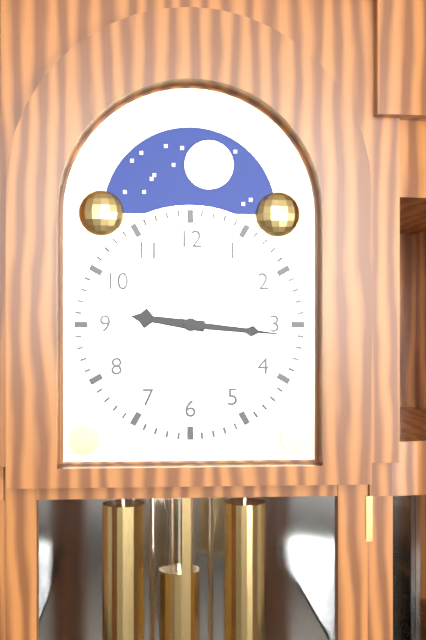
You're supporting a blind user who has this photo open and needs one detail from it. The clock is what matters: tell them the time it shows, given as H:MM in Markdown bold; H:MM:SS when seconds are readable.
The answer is **9:16**
